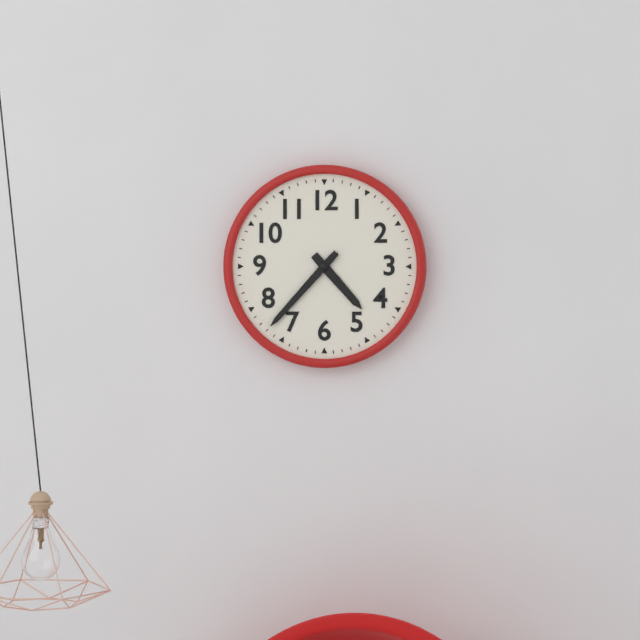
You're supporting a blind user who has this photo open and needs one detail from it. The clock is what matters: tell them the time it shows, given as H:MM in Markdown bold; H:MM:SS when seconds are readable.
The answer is **4:37**
